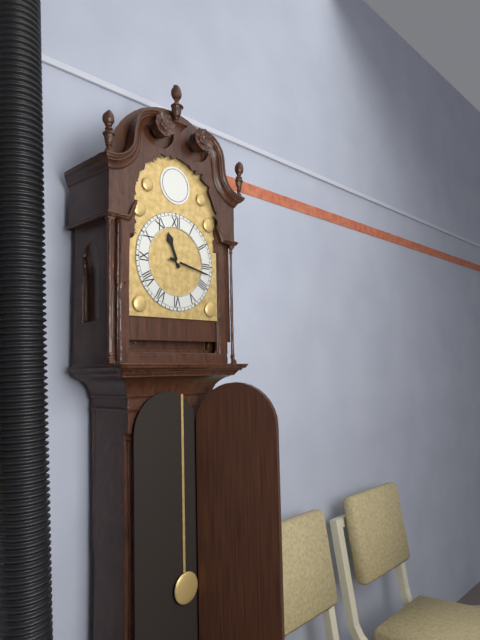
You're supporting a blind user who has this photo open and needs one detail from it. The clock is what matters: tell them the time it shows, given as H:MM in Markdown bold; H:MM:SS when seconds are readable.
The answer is **11:17**
